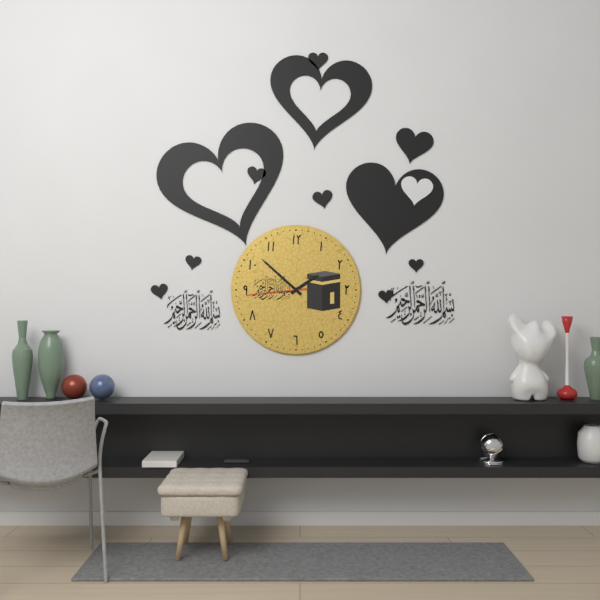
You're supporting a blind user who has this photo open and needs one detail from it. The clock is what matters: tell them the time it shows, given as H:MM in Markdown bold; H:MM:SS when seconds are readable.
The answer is **1:52:44**
